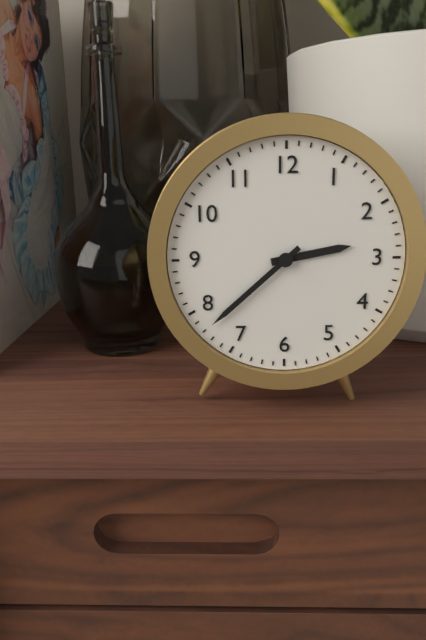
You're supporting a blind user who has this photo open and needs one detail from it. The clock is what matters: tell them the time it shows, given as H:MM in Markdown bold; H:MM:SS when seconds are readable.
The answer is **2:38**
